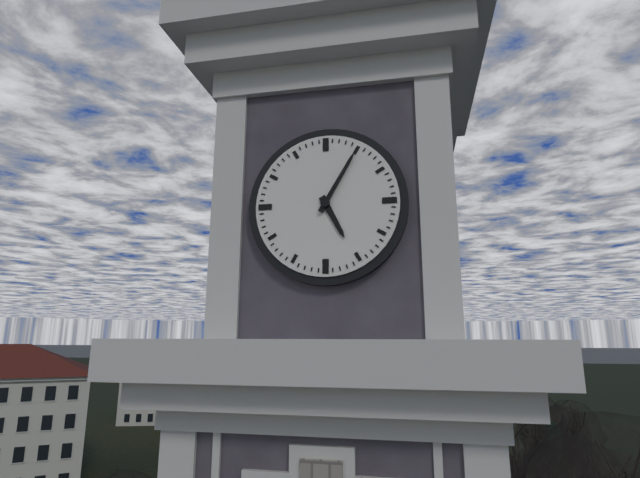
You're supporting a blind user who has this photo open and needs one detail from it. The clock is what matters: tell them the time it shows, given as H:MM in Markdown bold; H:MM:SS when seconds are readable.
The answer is **5:05**
